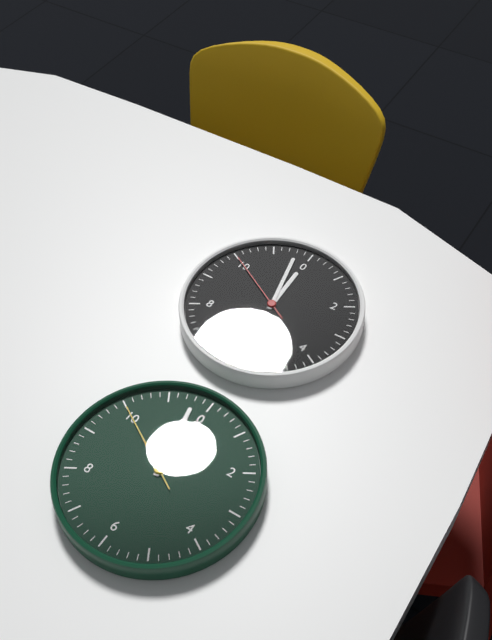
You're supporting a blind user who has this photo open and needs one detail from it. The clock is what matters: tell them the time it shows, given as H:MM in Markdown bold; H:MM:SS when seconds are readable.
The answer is **11:58:50**
